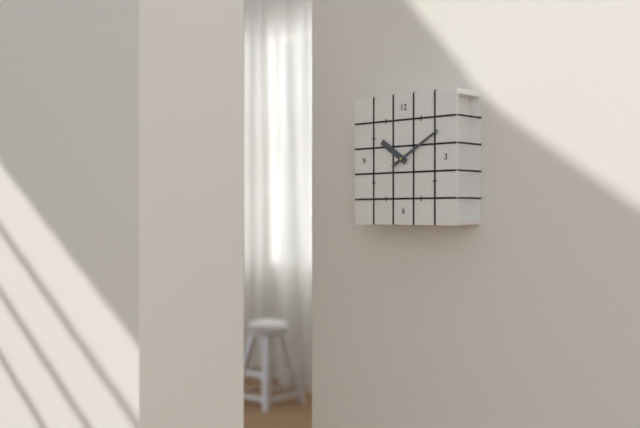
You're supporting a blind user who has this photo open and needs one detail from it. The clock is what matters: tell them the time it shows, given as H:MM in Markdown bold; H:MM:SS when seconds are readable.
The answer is **10:10**
